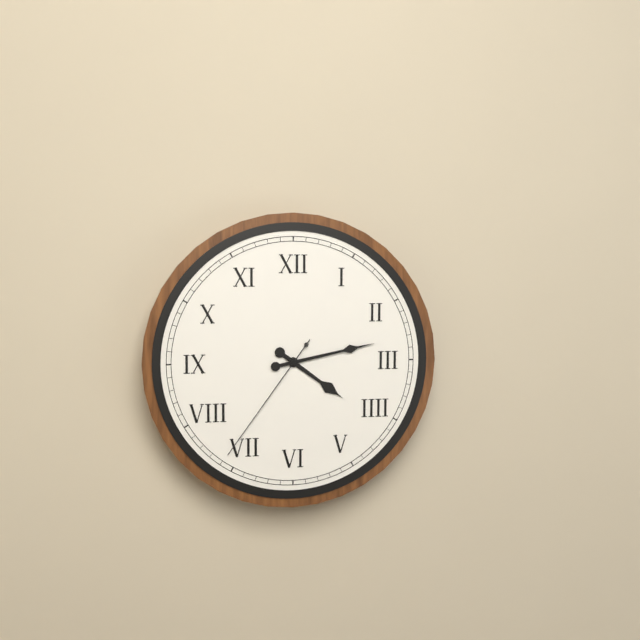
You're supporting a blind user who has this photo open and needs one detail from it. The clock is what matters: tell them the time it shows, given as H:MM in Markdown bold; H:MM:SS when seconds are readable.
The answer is **4:13:36**
